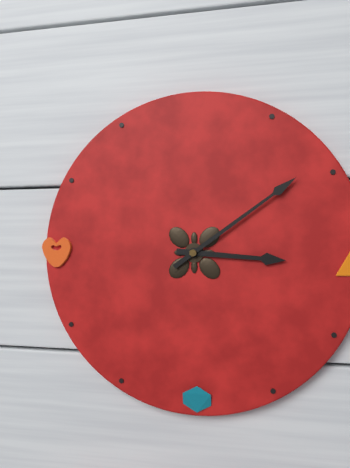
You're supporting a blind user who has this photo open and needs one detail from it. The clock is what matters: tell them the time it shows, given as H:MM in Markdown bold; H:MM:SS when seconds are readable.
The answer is **3:09**
